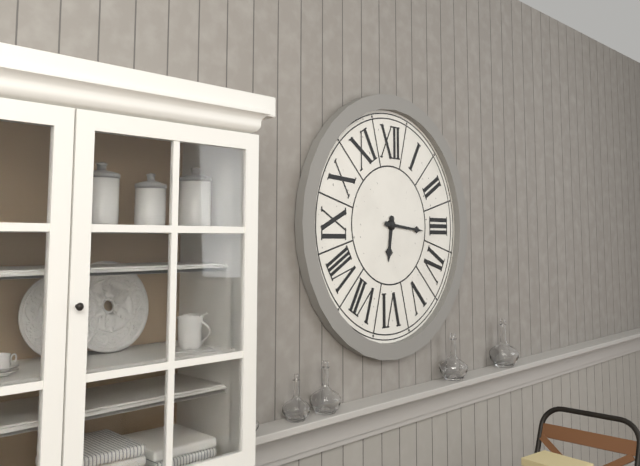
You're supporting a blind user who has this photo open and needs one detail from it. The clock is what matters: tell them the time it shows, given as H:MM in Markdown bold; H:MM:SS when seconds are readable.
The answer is **6:16**
